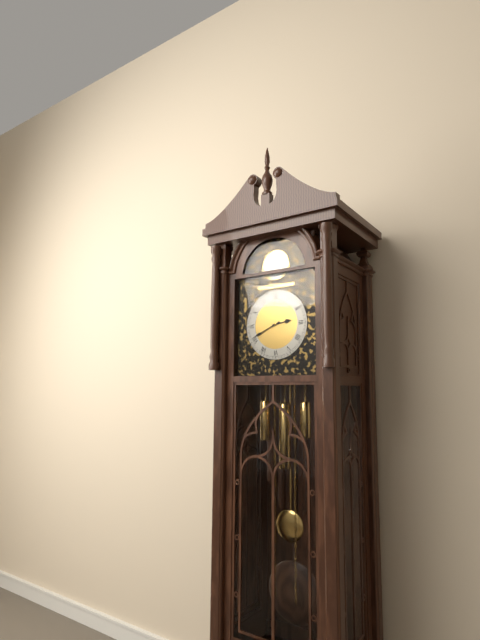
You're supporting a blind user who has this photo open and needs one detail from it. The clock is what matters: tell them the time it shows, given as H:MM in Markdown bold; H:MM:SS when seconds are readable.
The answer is **2:41**
